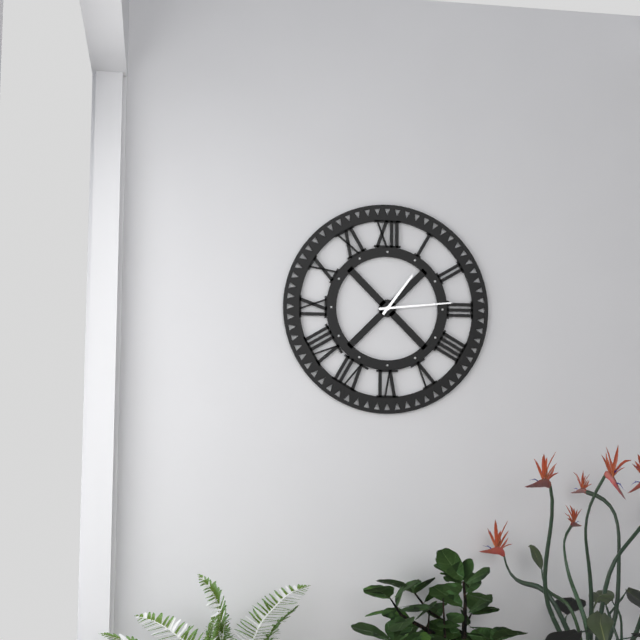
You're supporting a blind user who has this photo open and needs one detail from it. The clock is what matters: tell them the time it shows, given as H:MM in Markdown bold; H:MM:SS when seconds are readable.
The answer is **1:14**
